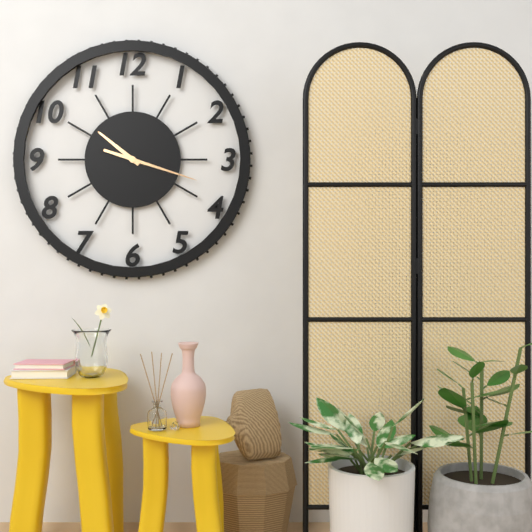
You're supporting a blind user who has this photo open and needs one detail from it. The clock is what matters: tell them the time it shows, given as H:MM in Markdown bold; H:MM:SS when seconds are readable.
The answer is **10:18**
